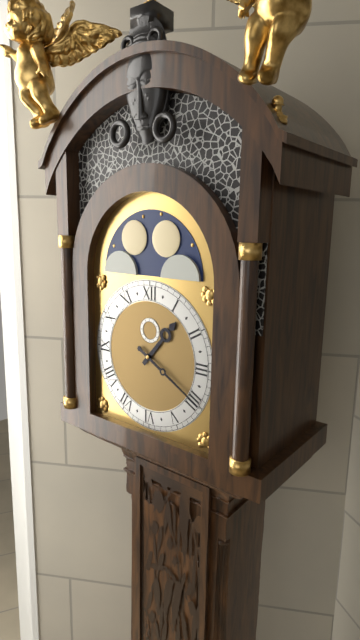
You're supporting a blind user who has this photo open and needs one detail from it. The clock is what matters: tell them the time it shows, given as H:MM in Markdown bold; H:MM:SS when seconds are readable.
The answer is **1:20**
